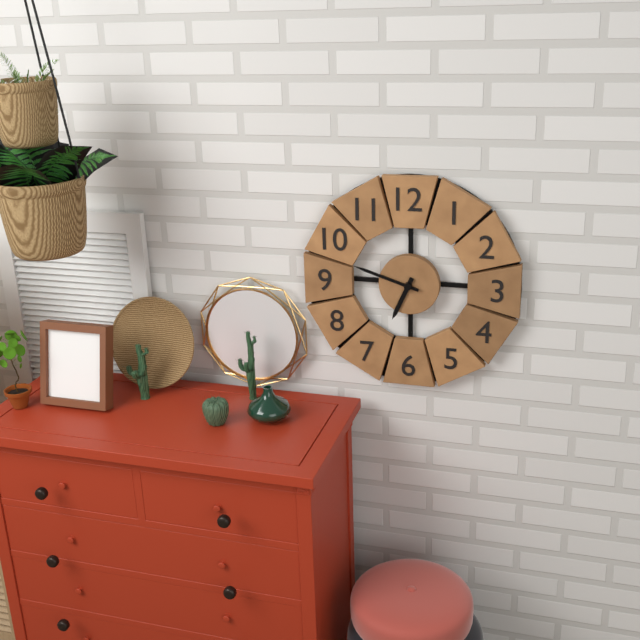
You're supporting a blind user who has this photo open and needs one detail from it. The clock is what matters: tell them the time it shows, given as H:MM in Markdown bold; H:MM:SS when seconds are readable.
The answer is **6:48**
